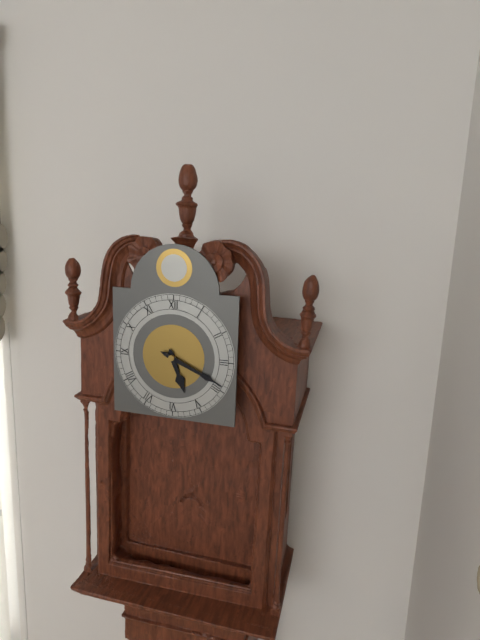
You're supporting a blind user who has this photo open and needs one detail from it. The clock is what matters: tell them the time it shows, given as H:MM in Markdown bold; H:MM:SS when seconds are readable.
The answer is **5:19**
